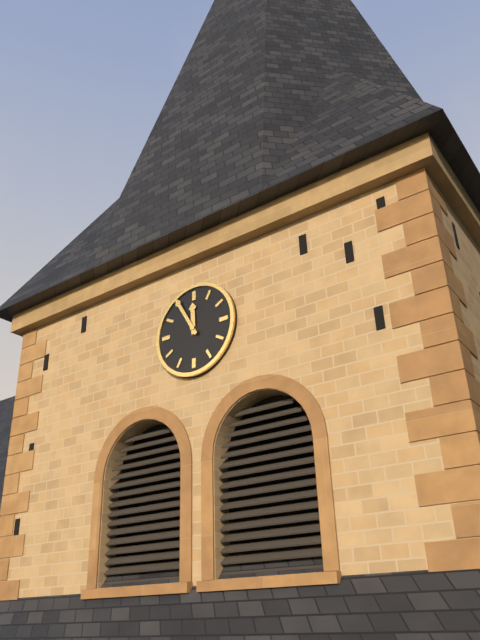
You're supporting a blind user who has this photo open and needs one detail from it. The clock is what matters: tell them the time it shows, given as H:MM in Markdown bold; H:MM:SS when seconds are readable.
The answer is **11:55**
